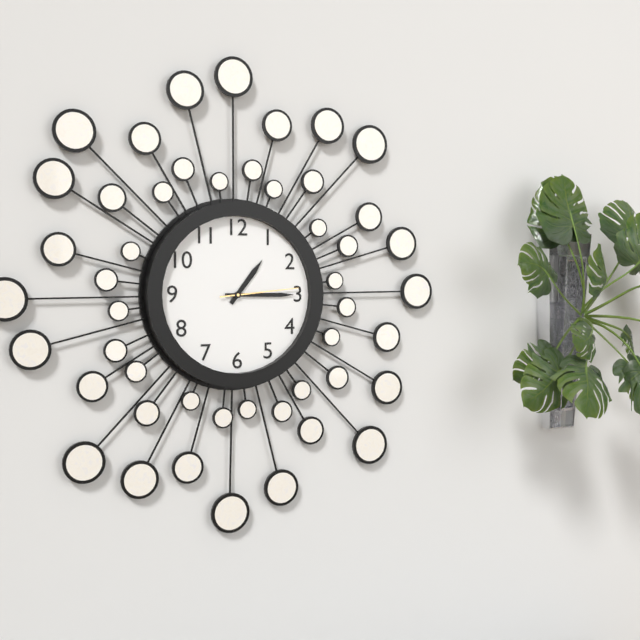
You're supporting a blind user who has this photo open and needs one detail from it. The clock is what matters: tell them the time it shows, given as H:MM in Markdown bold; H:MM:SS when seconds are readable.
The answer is **1:15:14**
